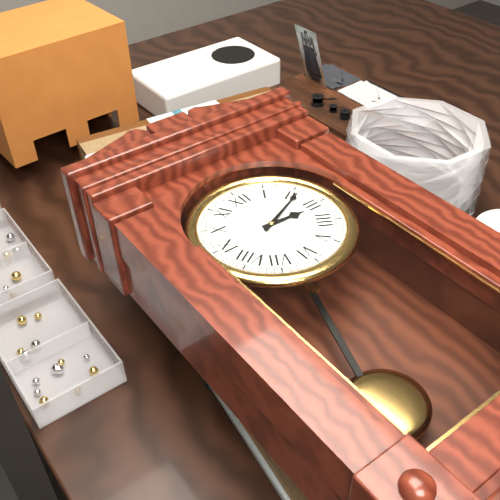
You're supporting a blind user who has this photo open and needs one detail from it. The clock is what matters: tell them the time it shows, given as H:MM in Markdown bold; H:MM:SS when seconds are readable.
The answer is **3:11**
